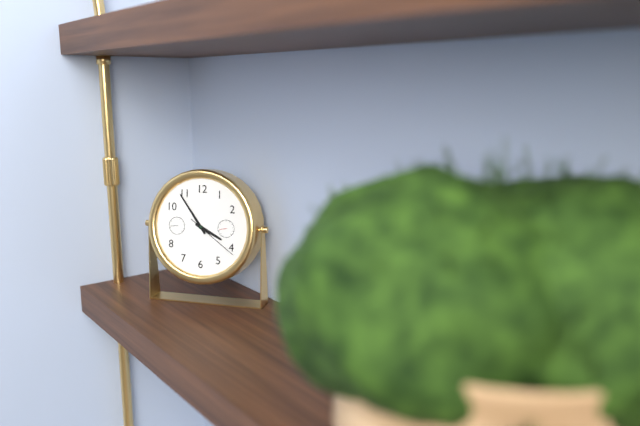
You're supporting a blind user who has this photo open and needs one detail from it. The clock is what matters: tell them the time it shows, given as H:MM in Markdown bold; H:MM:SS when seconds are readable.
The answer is **3:54:21**
